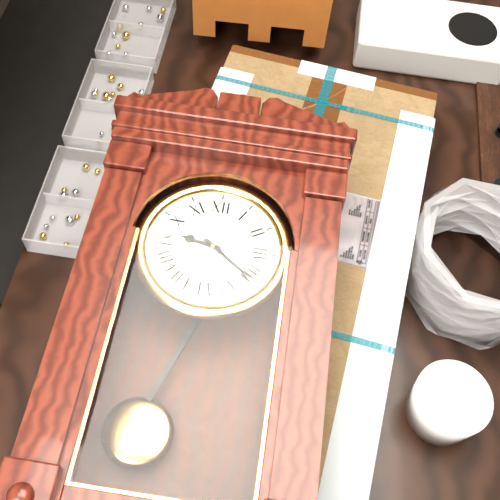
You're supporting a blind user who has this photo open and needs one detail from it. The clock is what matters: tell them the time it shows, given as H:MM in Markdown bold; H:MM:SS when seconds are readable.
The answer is **9:21**
